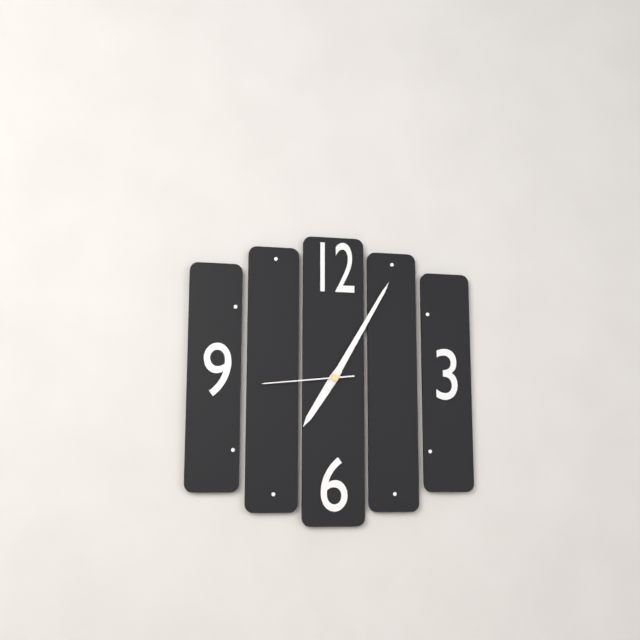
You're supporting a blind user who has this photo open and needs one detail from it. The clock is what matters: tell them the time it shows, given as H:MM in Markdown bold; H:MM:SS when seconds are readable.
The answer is **7:05:44**
